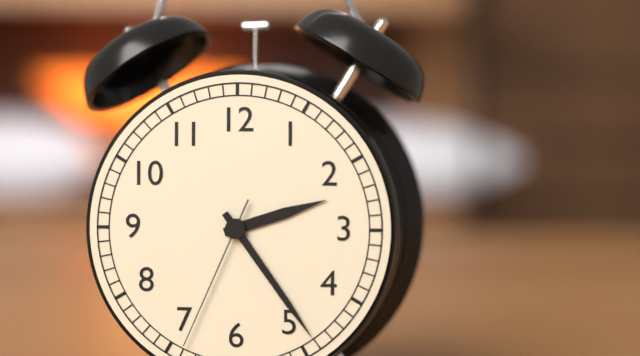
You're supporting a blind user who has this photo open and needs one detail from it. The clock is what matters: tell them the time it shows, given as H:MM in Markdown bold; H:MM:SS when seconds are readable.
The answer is **2:24:34**
